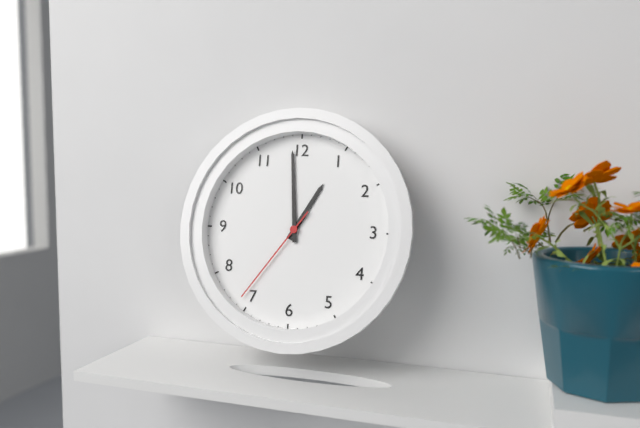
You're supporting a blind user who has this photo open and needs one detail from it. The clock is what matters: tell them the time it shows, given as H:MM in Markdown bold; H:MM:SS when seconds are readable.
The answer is **12:59:36**
